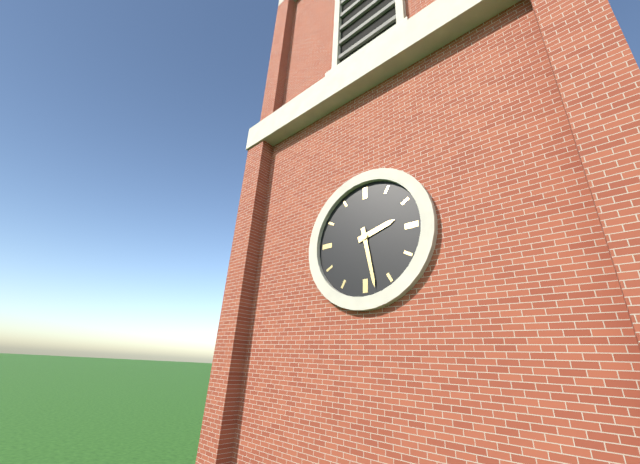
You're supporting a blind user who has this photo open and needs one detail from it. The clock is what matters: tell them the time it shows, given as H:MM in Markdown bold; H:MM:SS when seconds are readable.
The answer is **2:28**
